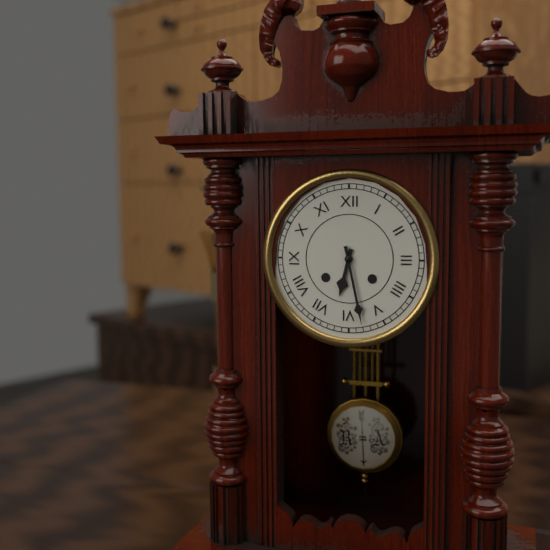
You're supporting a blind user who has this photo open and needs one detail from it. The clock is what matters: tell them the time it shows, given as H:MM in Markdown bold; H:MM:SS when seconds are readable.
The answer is **6:28**
